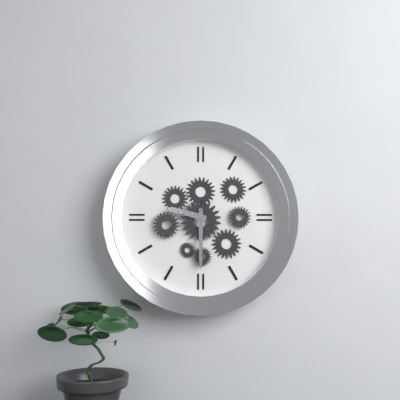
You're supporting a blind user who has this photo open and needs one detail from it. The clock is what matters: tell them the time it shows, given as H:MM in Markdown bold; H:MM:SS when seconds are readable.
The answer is **9:30**
